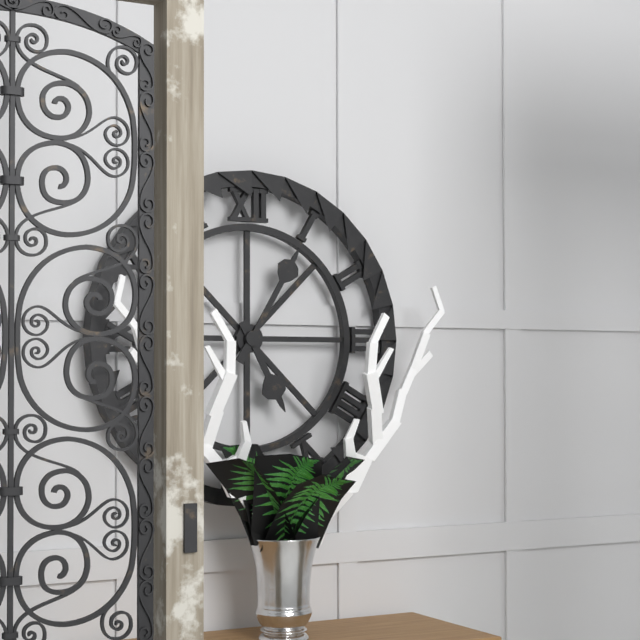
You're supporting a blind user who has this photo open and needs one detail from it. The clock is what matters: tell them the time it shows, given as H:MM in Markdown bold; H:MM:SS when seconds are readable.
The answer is **5:05**
